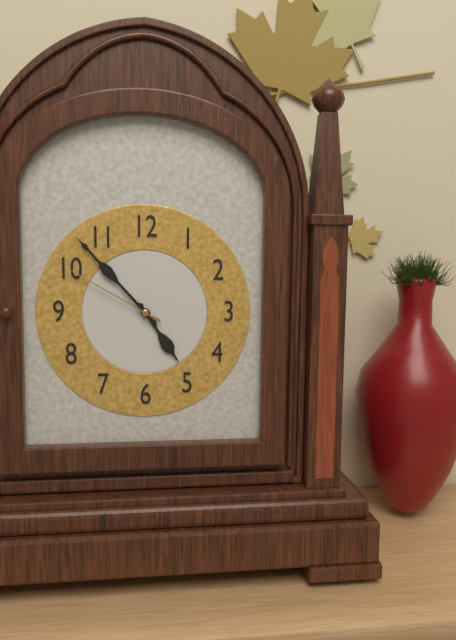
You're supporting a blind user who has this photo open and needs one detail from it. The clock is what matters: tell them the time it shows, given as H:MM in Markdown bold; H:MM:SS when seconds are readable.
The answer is **4:53:50**
